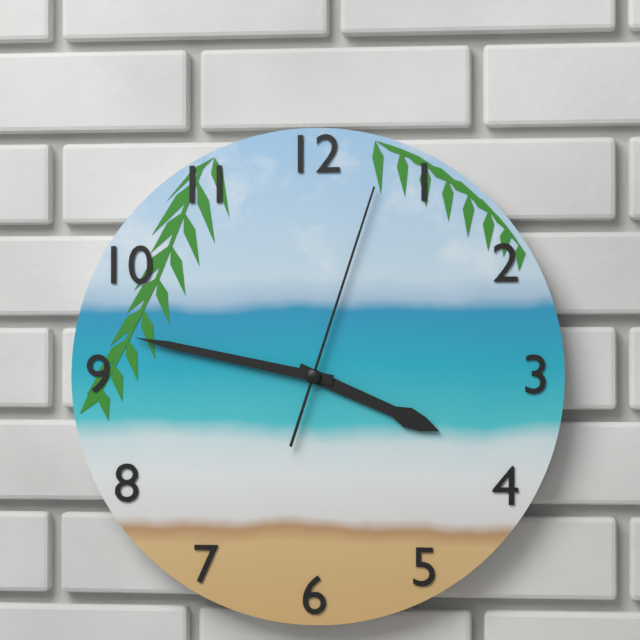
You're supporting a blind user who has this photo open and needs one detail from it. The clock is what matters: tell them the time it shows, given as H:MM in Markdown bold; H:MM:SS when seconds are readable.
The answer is **3:47:03**
